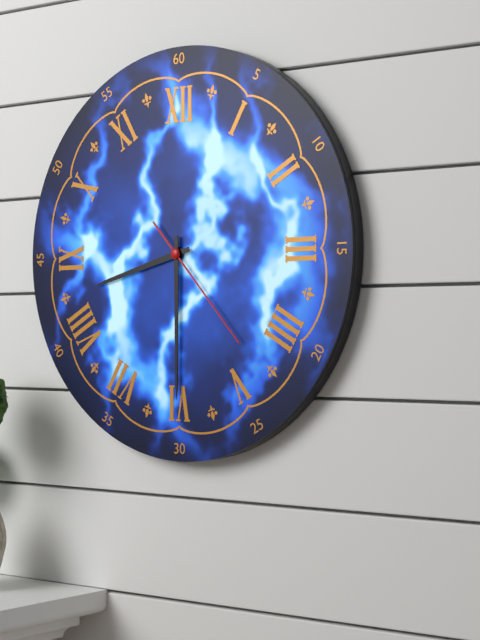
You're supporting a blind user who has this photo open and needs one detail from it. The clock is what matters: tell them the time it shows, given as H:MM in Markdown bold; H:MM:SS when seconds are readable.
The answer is **8:30:23**
